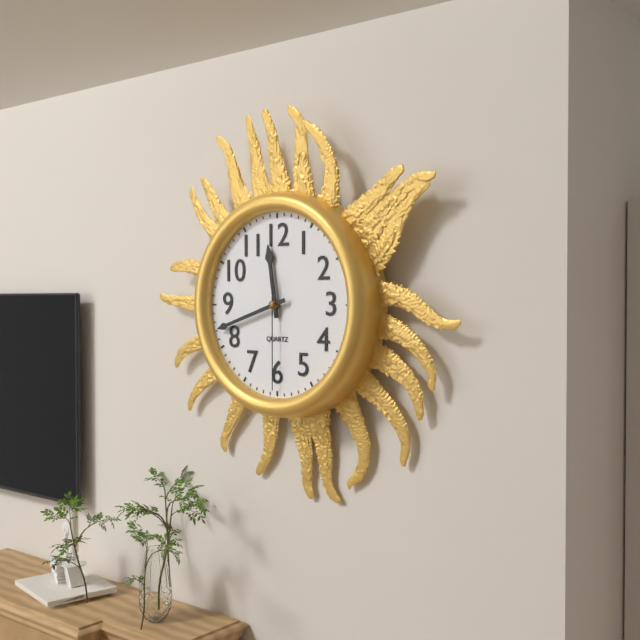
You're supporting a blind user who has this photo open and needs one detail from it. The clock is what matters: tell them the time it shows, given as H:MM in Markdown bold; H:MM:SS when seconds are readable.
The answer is **11:42:30**
